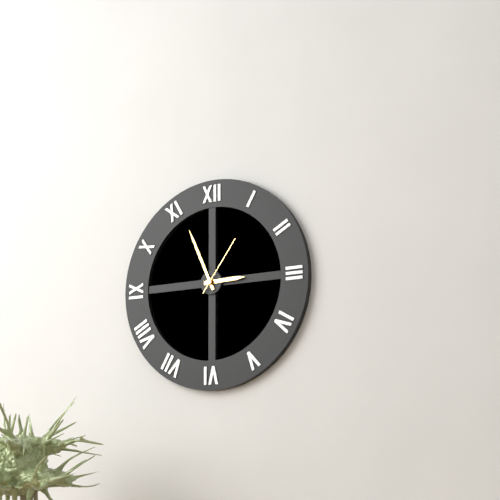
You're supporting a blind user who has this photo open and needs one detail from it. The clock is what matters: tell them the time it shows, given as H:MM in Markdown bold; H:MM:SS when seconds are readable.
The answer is **2:56:06**
